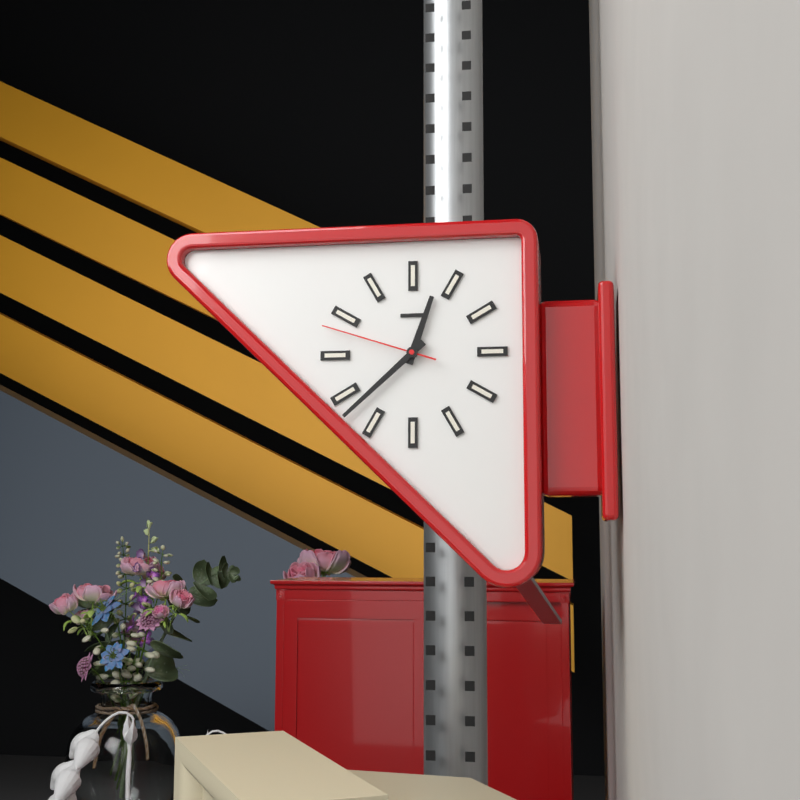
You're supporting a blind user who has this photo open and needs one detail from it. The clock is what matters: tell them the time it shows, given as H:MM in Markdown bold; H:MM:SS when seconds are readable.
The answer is **12:38:48**
